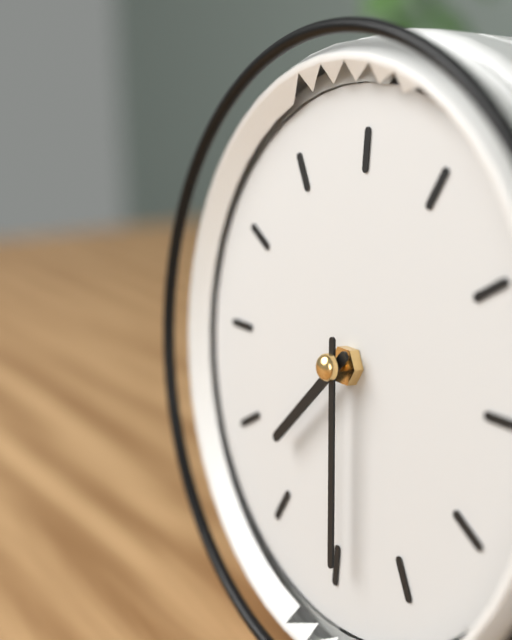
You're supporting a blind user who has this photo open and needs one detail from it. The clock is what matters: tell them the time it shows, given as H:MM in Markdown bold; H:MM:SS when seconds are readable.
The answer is **7:29**
